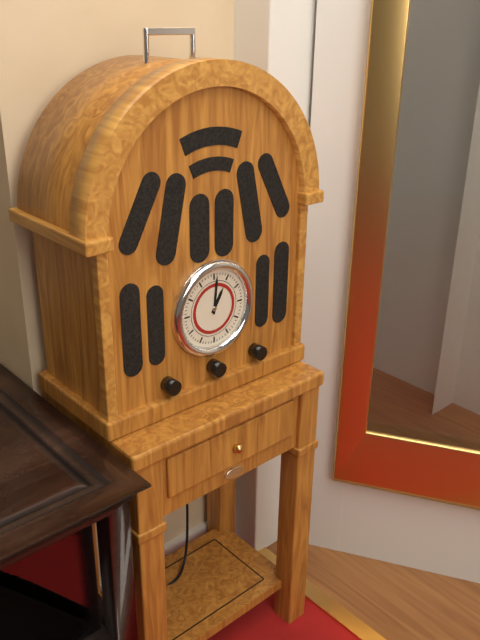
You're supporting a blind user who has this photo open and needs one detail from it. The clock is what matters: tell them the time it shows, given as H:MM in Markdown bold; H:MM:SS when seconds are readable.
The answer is **1:01**
